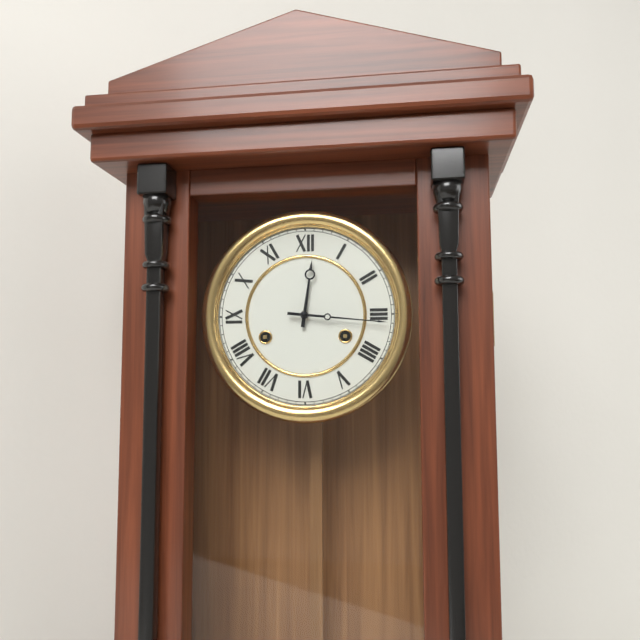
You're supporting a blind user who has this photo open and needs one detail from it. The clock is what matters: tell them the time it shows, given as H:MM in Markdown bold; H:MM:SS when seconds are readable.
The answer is **12:16**
